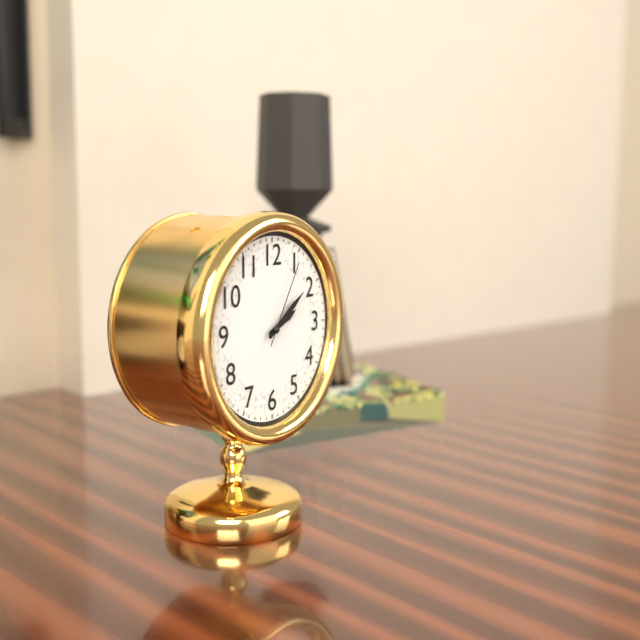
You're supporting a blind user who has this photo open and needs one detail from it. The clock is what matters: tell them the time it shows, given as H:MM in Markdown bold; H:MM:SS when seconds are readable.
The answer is **2:09:05**
